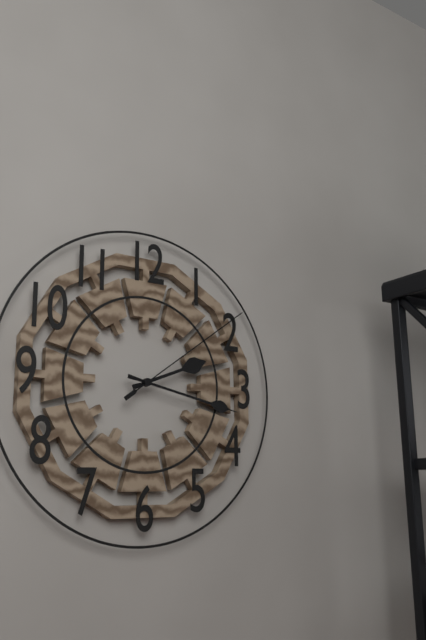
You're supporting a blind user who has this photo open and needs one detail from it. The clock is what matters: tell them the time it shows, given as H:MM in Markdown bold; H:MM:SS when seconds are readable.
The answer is **2:17:09**
